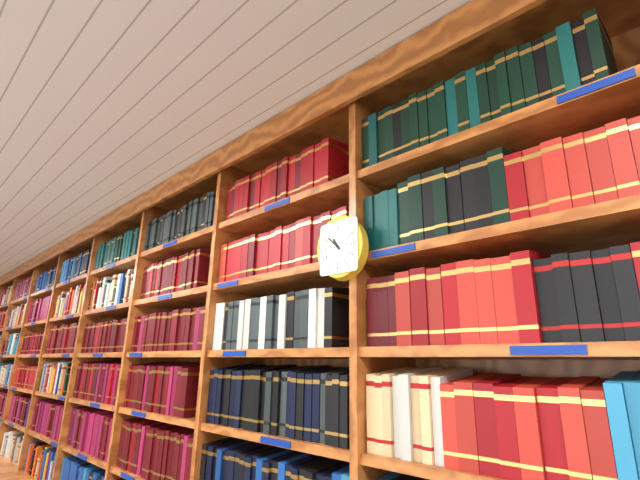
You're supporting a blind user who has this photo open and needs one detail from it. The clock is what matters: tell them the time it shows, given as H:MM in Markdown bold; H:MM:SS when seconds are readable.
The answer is **10:52**
